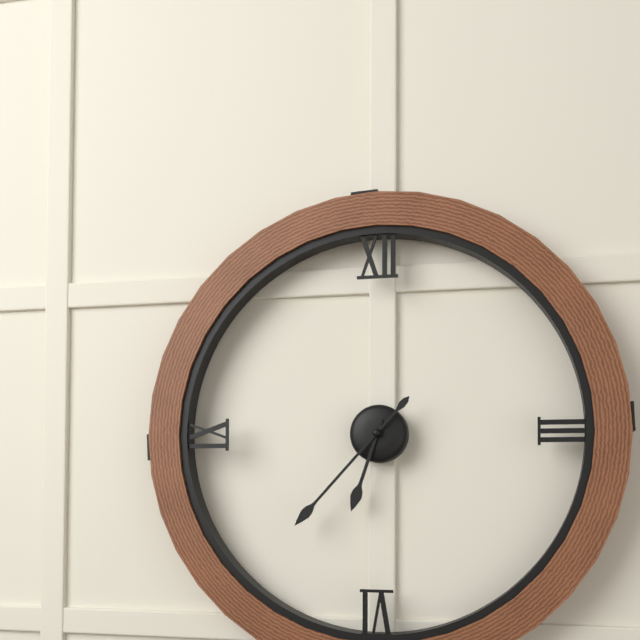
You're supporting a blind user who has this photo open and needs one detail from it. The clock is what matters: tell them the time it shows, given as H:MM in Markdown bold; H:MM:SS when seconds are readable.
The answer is **6:37**
